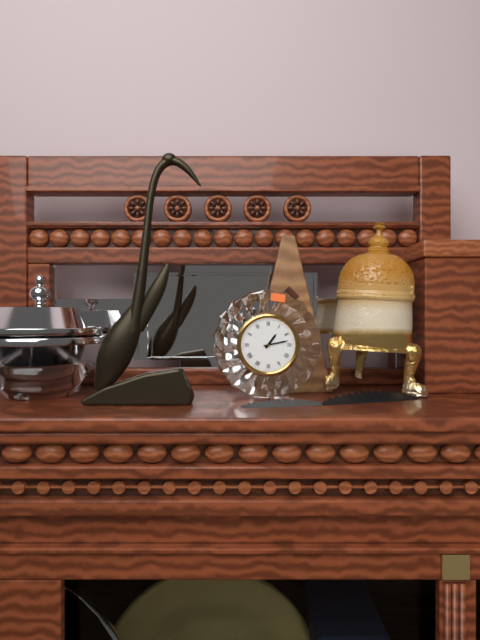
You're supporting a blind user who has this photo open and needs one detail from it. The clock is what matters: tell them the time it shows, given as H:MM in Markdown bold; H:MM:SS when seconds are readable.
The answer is **1:13**
